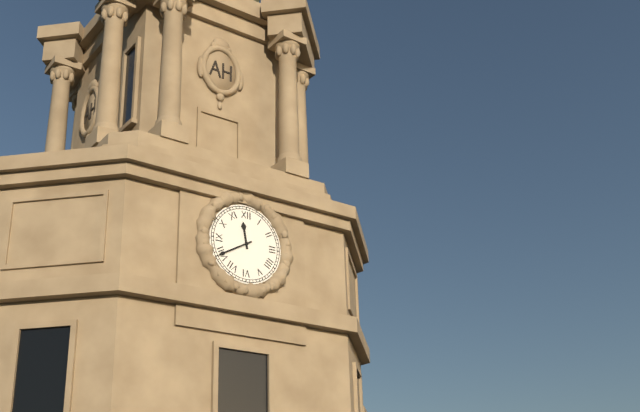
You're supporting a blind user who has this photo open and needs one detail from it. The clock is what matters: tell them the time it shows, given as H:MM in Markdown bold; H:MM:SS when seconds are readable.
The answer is **11:40**
